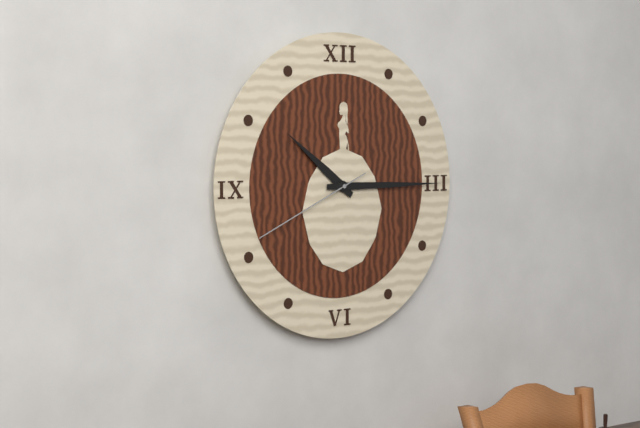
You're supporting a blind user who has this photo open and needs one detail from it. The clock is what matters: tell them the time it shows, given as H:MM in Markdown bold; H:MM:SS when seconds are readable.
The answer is **10:15:41**
